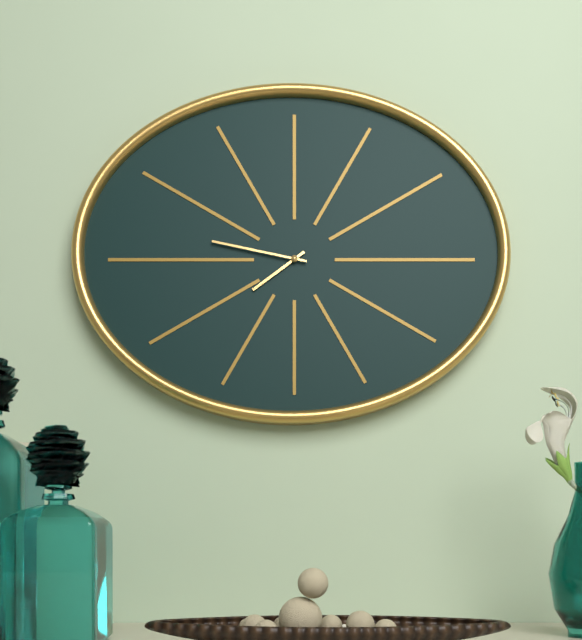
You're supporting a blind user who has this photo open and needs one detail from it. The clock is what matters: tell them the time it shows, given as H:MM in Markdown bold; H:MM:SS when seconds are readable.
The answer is **7:47**
